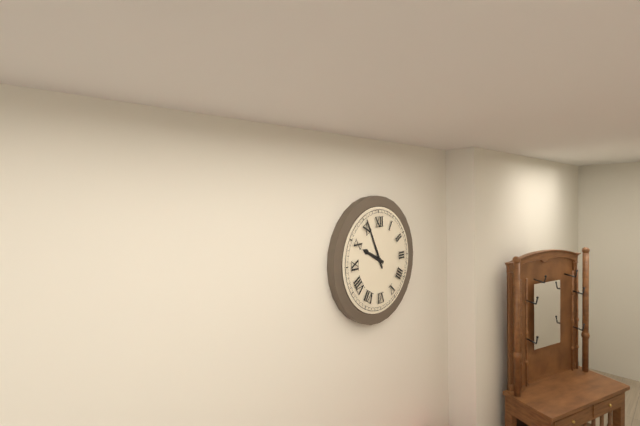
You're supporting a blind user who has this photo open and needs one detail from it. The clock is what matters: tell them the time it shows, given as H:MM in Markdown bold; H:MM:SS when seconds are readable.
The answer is **9:56**
